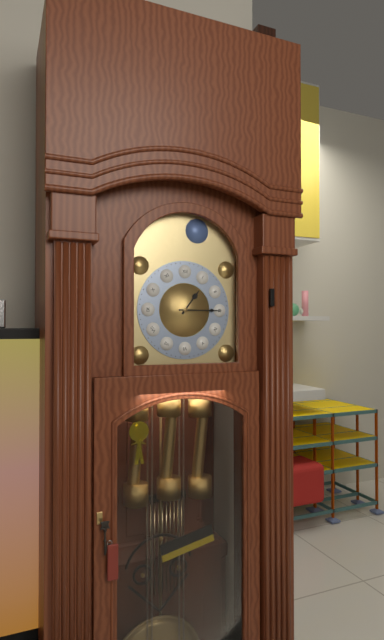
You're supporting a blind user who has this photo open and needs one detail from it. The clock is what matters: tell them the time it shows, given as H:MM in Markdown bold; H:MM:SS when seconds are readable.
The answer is **1:15**
